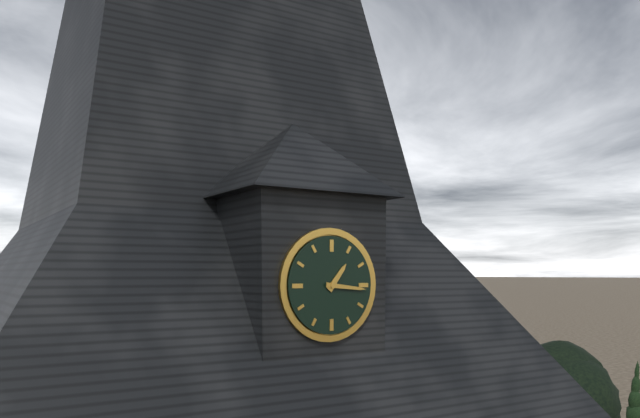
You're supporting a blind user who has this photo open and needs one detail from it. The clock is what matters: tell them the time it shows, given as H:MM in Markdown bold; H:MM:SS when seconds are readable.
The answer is **1:16**
